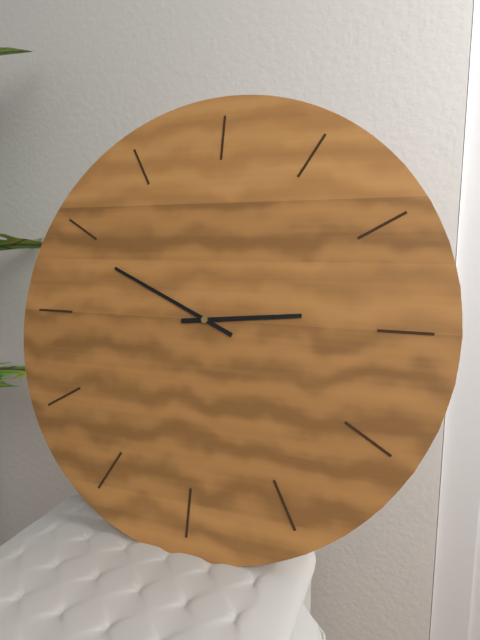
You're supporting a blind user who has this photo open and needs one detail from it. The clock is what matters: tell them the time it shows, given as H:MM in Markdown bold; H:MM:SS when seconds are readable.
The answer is **2:49**
